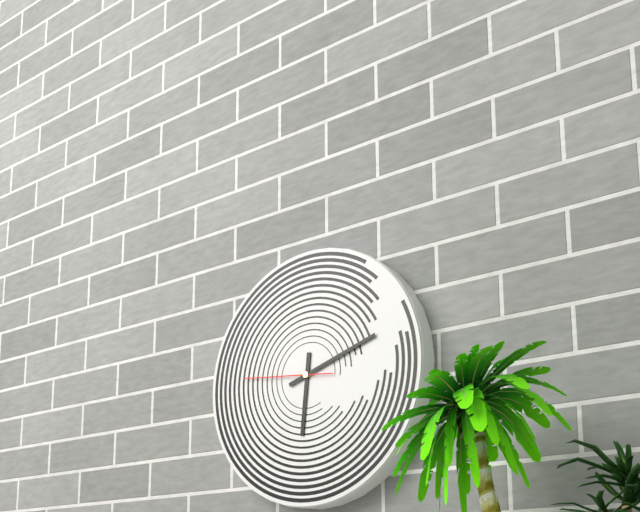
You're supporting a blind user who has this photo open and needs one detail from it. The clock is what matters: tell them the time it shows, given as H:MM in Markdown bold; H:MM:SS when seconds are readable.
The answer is **6:12:46**
